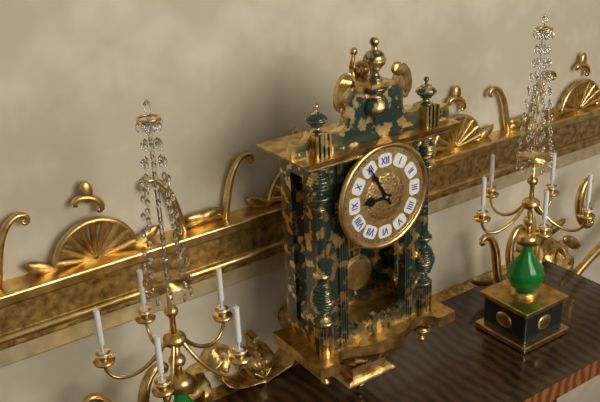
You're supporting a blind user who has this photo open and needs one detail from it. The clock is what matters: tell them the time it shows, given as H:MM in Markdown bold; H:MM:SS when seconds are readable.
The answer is **8:55**
